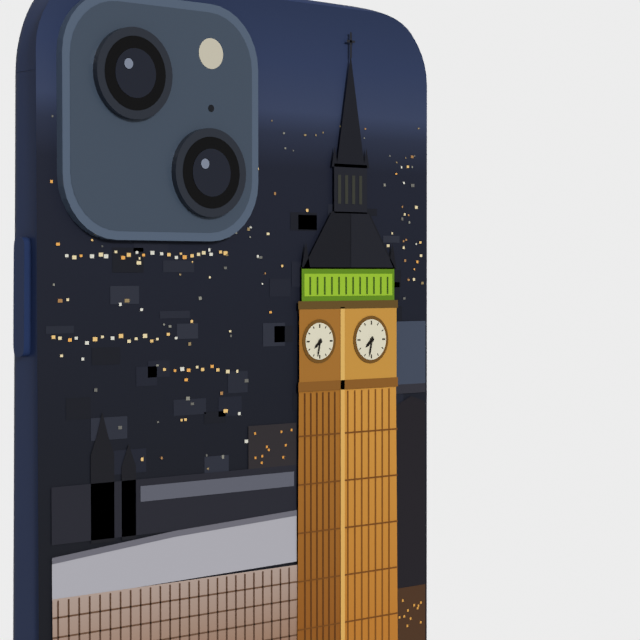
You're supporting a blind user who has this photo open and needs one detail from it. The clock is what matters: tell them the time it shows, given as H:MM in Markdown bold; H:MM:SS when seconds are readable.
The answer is **7:32**
